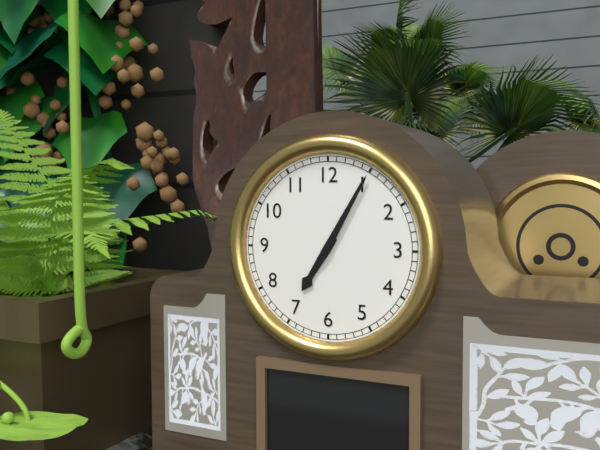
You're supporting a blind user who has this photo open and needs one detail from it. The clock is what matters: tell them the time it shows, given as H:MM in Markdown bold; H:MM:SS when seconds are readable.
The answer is **7:05**
